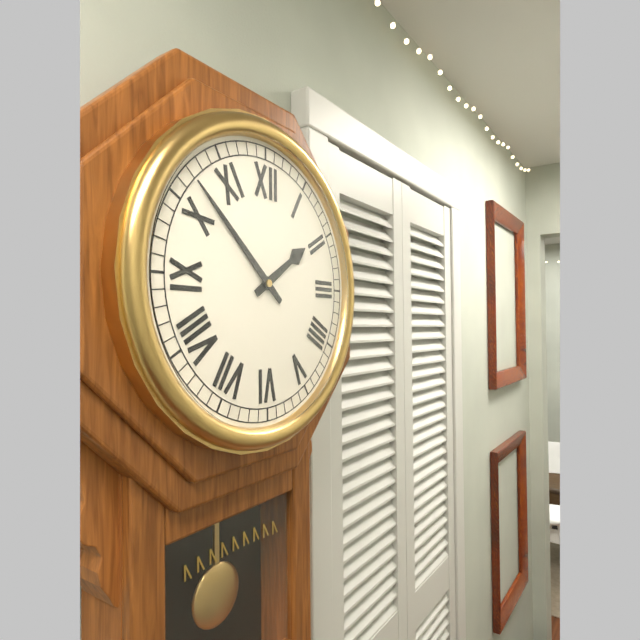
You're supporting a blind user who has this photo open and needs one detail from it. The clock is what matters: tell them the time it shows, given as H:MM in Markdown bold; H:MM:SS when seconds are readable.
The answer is **1:52**
